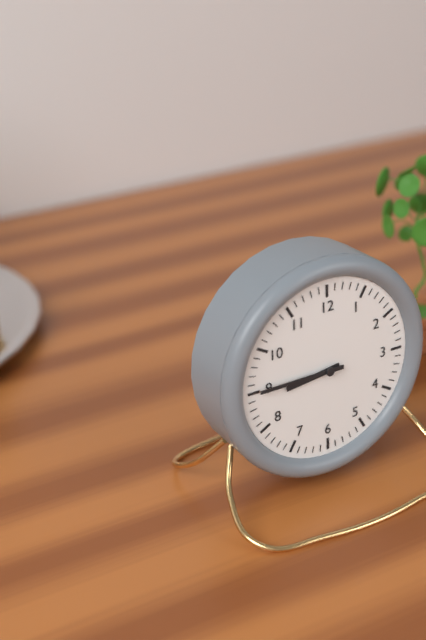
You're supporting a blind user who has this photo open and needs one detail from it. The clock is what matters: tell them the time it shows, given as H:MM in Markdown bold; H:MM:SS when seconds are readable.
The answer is **8:45**
